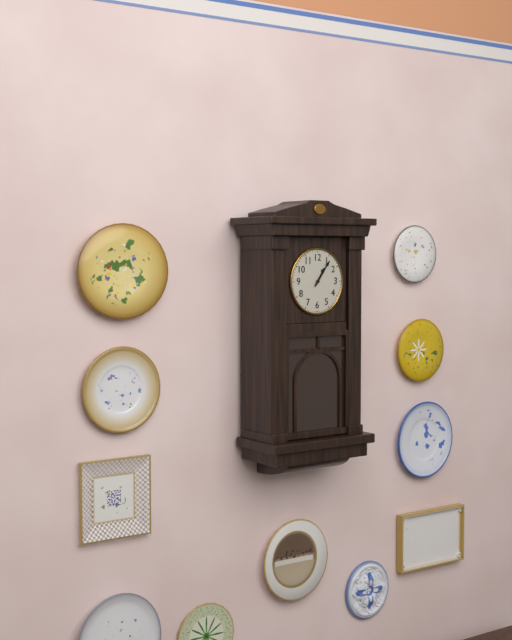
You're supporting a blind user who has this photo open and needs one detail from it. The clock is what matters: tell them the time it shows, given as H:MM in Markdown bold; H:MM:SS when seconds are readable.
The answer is **1:06**
